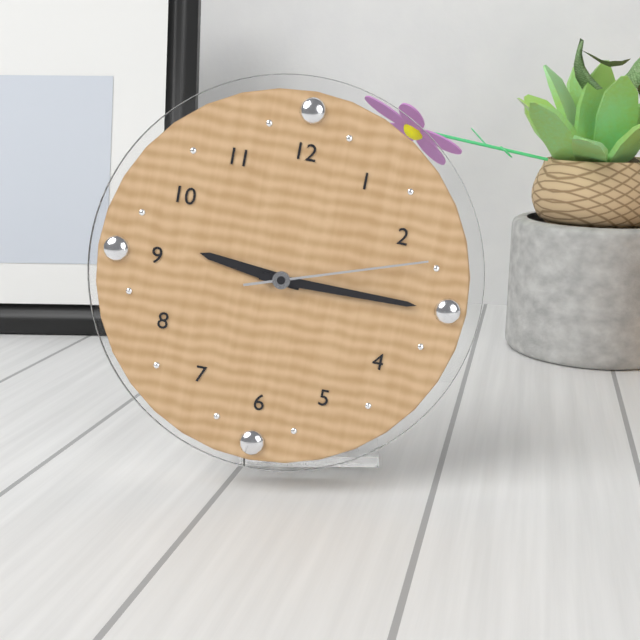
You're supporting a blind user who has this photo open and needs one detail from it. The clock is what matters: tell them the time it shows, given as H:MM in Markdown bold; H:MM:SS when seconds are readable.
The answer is **9:15:12**
